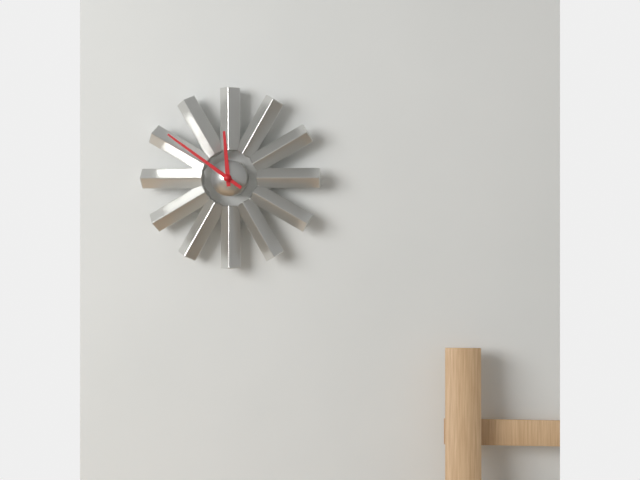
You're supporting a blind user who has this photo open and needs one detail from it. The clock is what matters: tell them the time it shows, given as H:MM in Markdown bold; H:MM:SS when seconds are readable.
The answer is **11:51**
